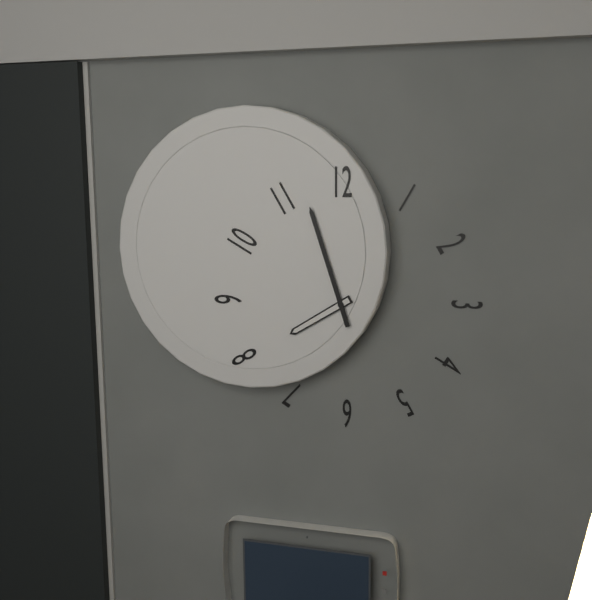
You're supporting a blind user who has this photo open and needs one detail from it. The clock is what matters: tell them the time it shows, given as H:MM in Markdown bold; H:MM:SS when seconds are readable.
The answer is **7:57**
